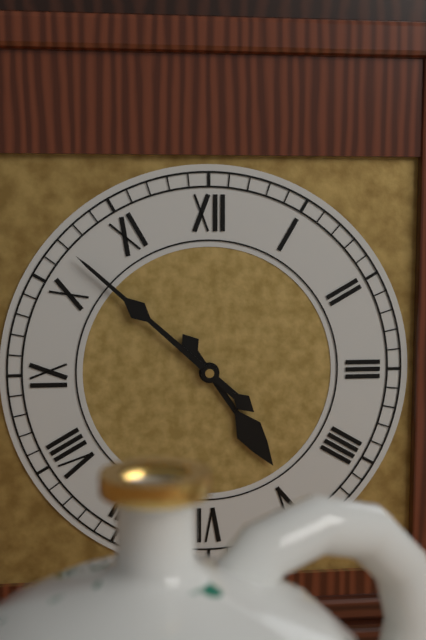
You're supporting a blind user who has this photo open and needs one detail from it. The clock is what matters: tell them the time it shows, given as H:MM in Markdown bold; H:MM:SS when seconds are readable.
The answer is **4:52**
